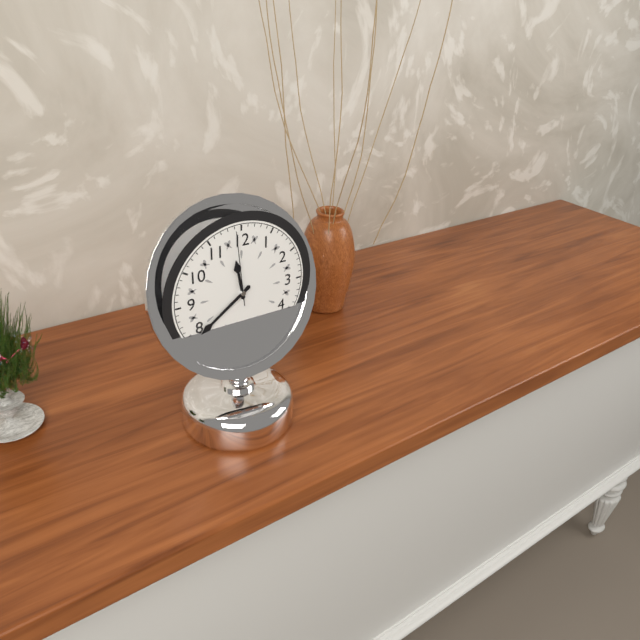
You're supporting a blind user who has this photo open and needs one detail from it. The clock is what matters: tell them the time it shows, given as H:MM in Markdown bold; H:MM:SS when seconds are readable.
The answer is **11:39:59**
